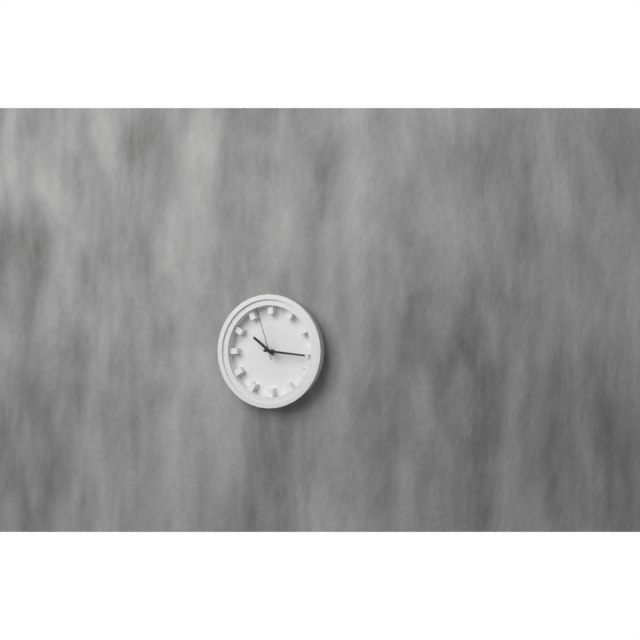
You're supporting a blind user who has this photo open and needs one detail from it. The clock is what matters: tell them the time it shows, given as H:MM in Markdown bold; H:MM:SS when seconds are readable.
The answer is **10:16:57**
